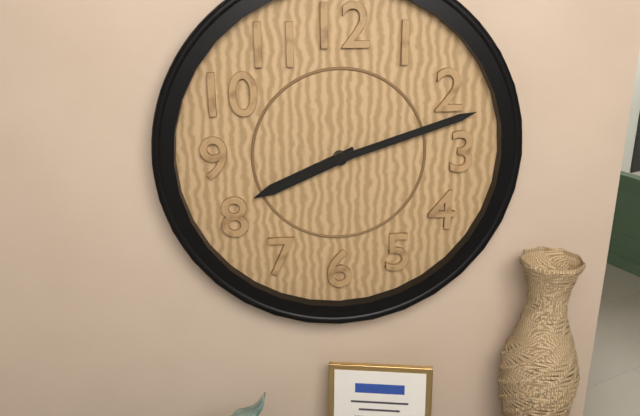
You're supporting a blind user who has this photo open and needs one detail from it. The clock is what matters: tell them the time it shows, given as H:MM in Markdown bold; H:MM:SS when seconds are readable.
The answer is **8:12**
